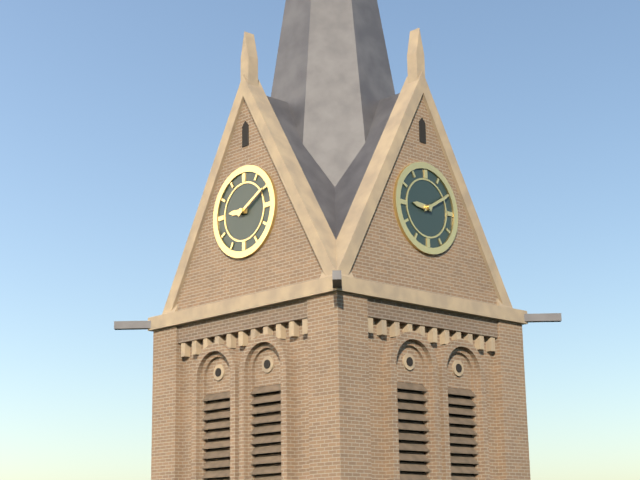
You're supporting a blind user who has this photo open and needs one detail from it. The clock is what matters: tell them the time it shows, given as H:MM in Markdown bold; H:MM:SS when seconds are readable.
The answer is **9:10**
